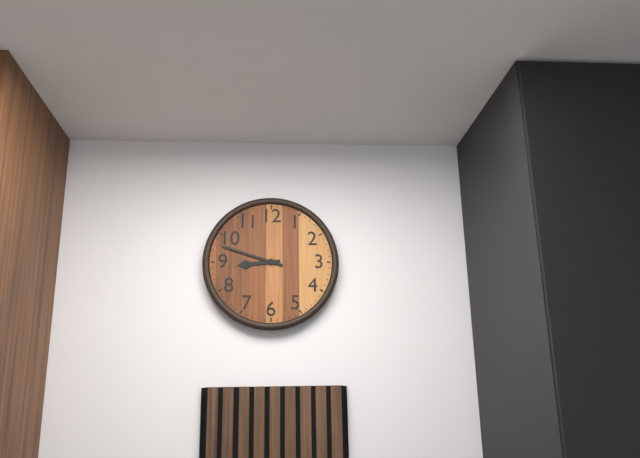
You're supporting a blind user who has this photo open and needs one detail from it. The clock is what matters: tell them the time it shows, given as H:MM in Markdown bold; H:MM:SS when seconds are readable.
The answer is **8:48**
